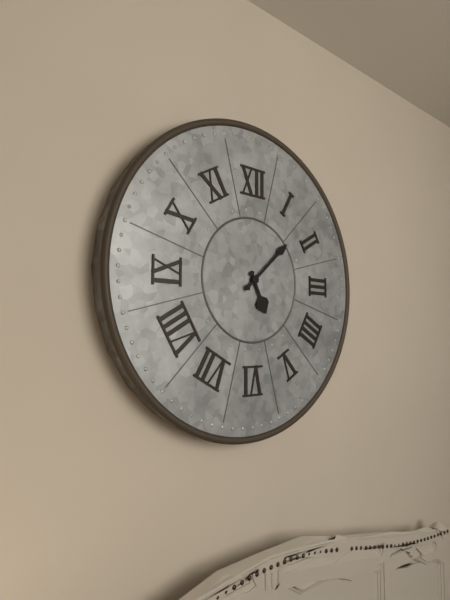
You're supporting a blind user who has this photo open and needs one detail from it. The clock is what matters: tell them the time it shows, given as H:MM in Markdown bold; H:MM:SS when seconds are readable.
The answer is **5:08**
